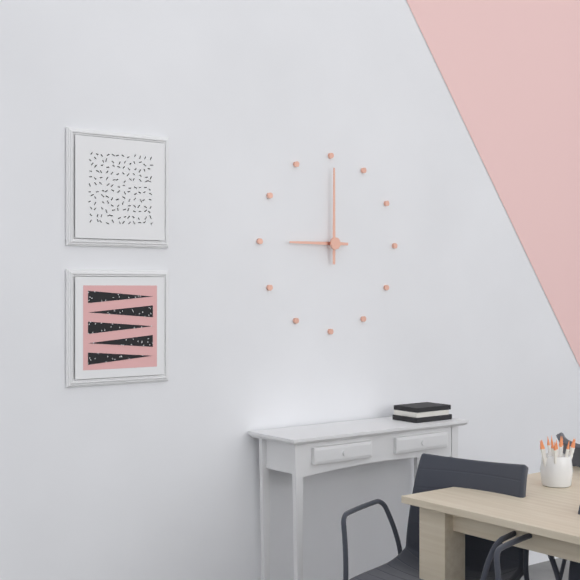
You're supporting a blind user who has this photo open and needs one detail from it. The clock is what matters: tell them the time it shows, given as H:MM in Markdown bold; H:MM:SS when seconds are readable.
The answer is **9:00**
